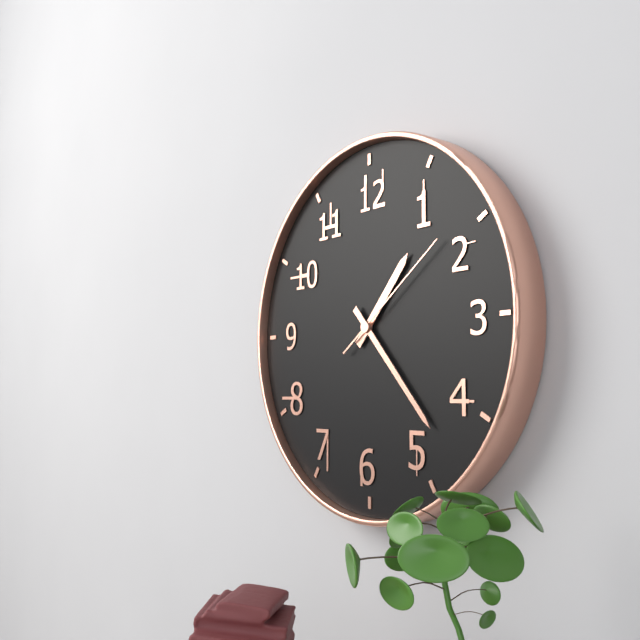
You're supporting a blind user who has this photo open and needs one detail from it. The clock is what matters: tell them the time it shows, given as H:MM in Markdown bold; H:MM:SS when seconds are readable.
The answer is **1:23:09**
